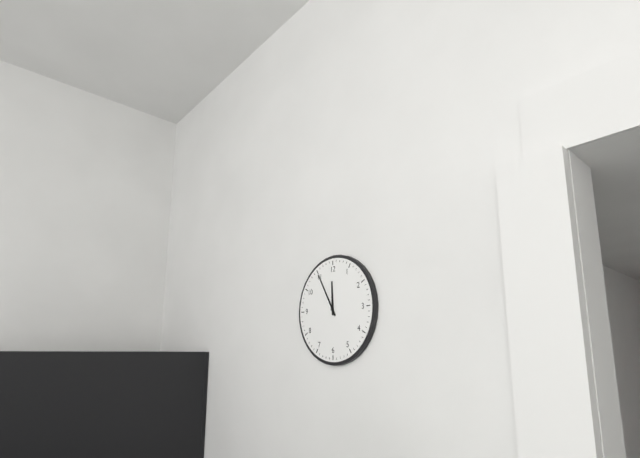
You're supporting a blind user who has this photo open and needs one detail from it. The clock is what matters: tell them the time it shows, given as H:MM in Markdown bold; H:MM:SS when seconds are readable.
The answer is **11:55**
